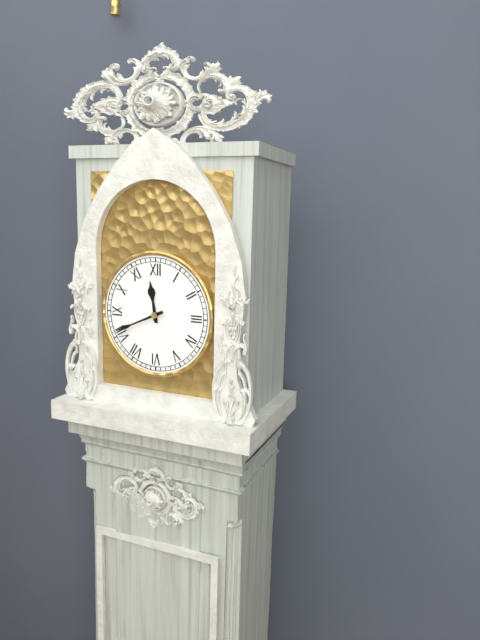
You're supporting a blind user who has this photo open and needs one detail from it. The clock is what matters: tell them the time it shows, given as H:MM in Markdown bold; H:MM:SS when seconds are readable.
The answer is **11:41**
